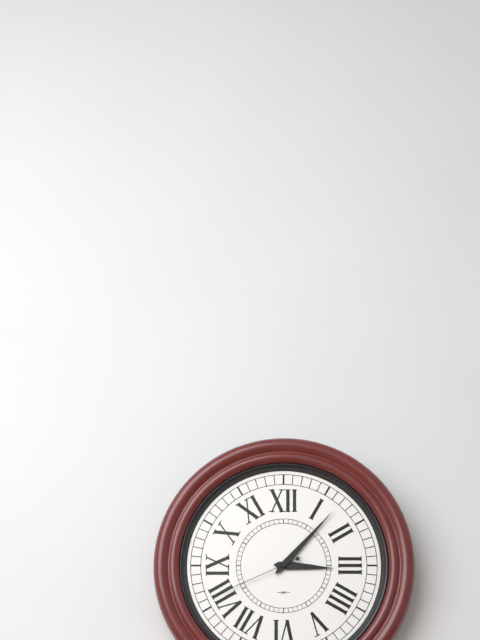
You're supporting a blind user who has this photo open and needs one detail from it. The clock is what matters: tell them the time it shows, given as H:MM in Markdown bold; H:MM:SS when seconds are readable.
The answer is **3:07:41**
